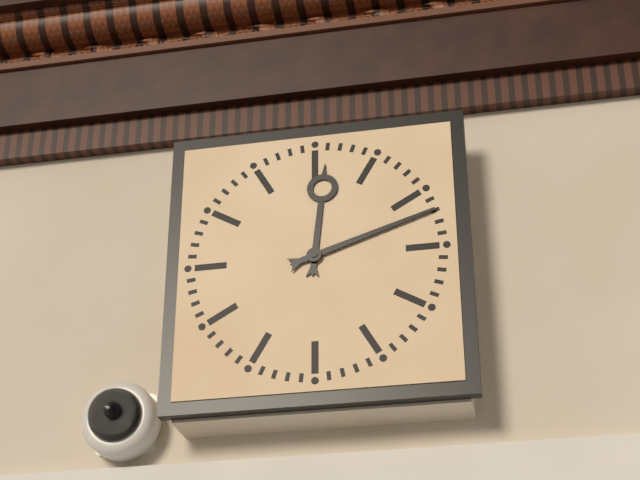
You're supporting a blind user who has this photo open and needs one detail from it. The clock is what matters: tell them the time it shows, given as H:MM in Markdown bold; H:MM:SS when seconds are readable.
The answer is **12:12**
